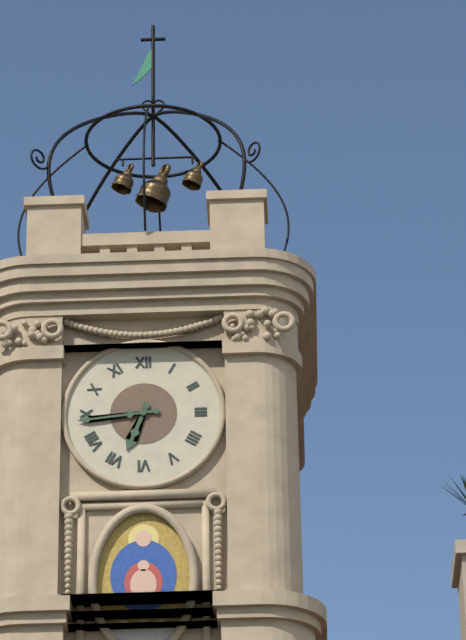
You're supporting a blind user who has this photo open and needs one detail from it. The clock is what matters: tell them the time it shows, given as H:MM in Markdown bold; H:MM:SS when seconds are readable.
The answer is **6:44**
